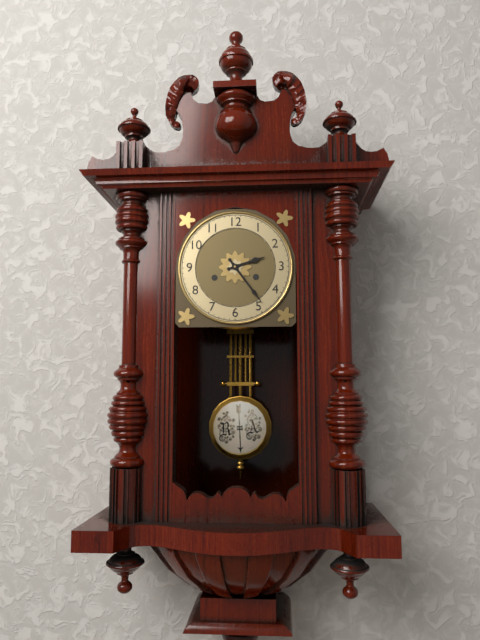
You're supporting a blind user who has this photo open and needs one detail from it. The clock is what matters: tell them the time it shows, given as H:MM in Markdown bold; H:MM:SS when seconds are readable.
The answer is **2:24**
